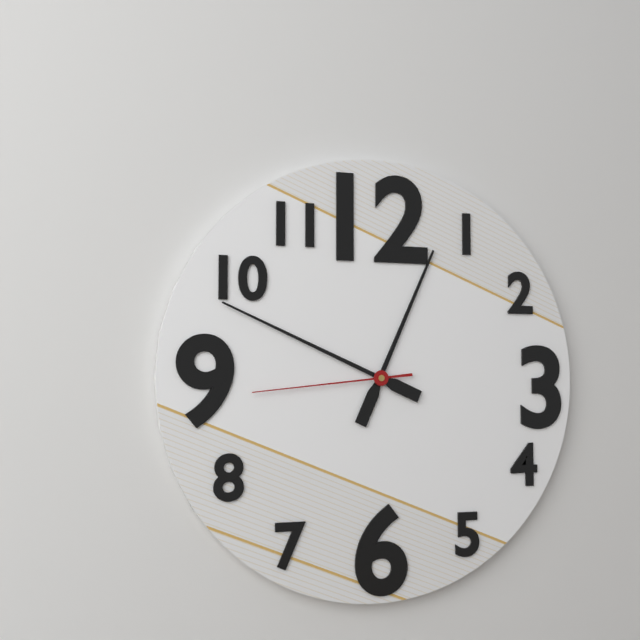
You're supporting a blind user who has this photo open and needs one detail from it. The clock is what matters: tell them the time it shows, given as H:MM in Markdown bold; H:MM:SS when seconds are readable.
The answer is **12:49:44**
